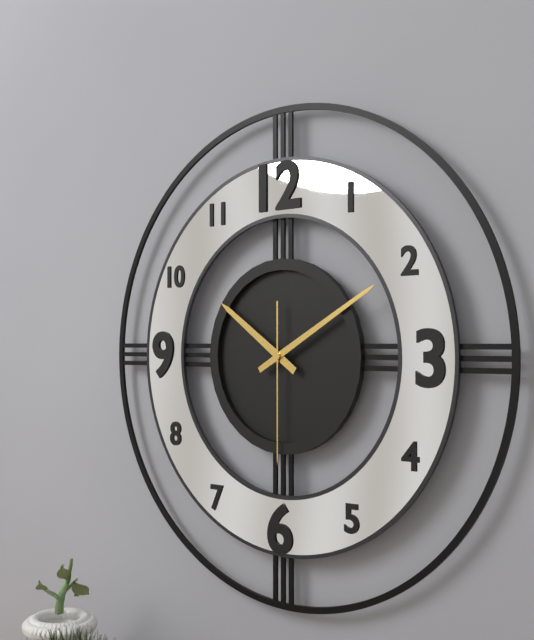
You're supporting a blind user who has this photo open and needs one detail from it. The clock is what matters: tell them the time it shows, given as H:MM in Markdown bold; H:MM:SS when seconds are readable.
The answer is **10:10:30**
